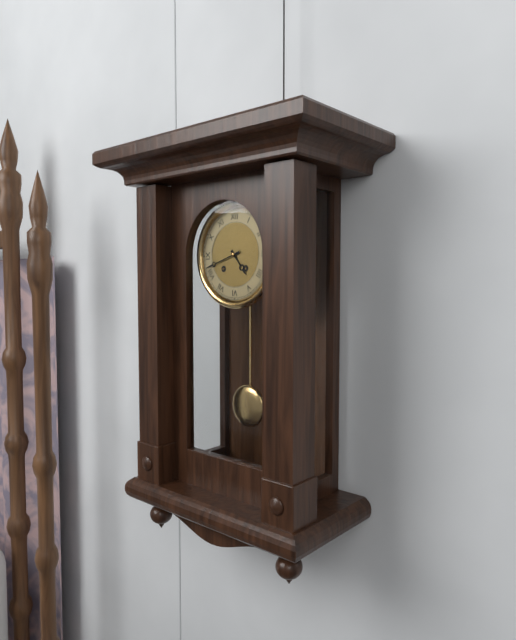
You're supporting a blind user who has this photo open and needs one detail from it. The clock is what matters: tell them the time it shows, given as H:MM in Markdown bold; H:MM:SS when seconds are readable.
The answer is **4:42**
